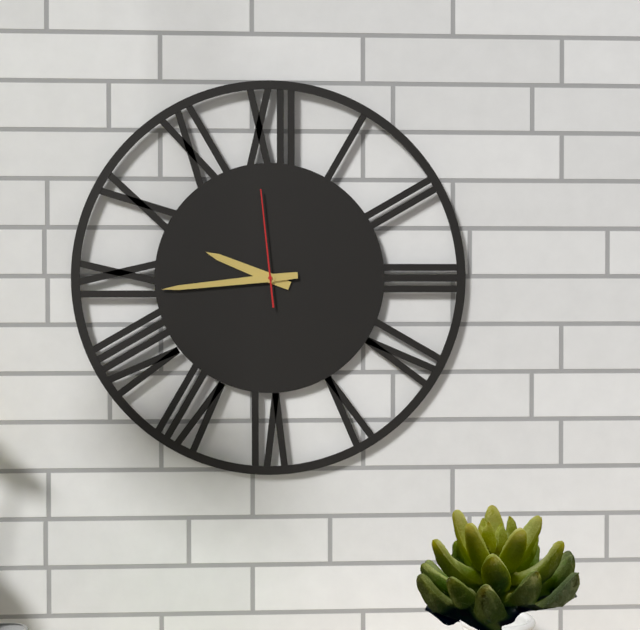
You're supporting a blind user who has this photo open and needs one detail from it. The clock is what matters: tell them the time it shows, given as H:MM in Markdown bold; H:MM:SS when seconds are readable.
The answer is **9:44:59**
